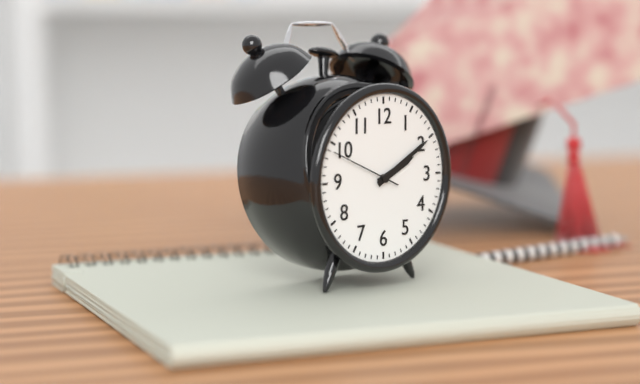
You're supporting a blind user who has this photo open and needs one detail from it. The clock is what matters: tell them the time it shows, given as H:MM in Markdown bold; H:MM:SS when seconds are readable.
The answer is **2:10:49**
